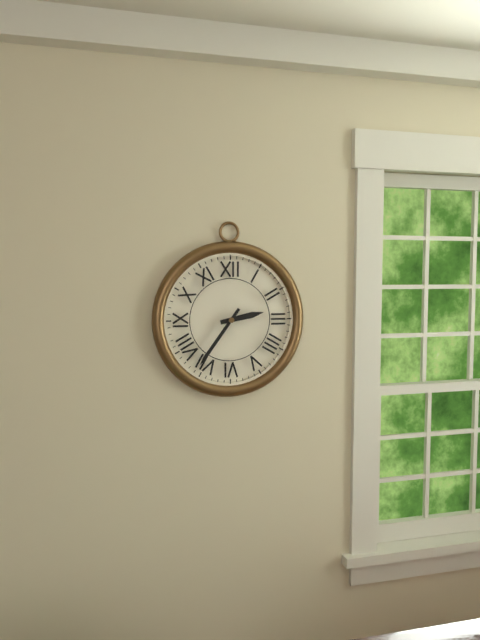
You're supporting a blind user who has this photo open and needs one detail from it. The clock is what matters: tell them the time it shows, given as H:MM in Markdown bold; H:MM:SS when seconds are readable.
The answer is **2:36**
